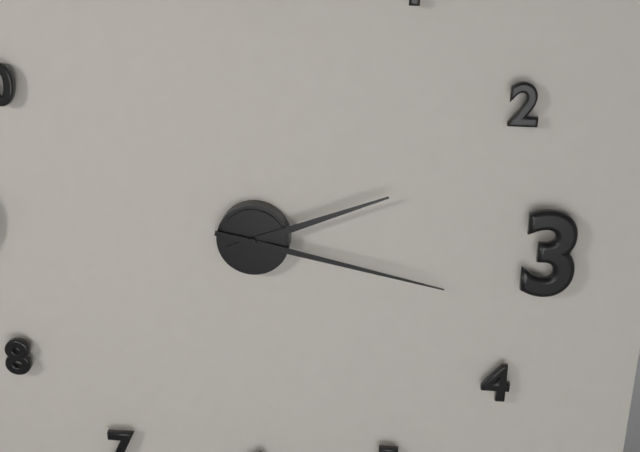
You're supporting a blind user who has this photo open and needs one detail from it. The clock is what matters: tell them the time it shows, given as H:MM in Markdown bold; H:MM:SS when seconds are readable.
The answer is **2:17**
